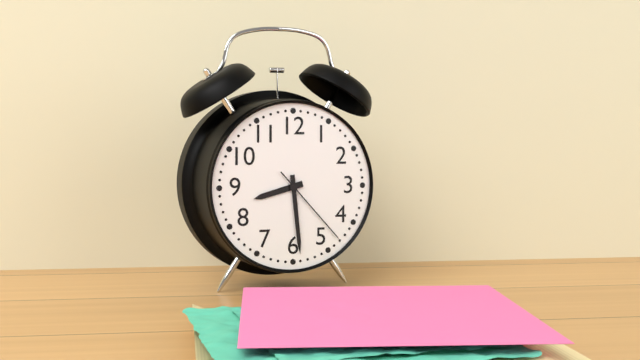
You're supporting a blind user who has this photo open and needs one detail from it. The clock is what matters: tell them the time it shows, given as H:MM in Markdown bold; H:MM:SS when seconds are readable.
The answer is **8:29:23**
